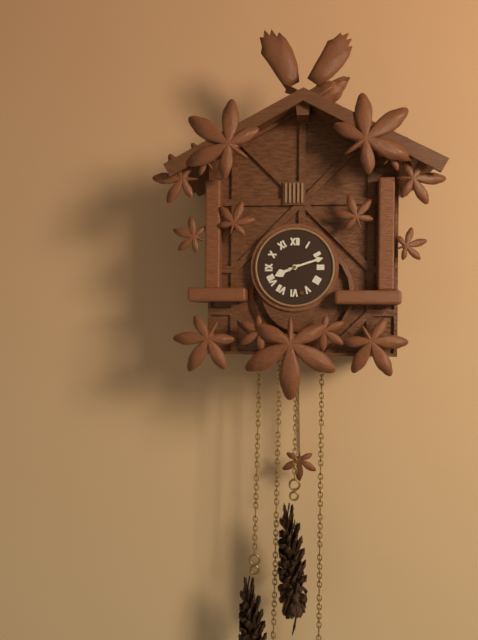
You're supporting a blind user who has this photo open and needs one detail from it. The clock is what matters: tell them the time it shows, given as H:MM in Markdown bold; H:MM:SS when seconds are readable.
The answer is **8:12**
